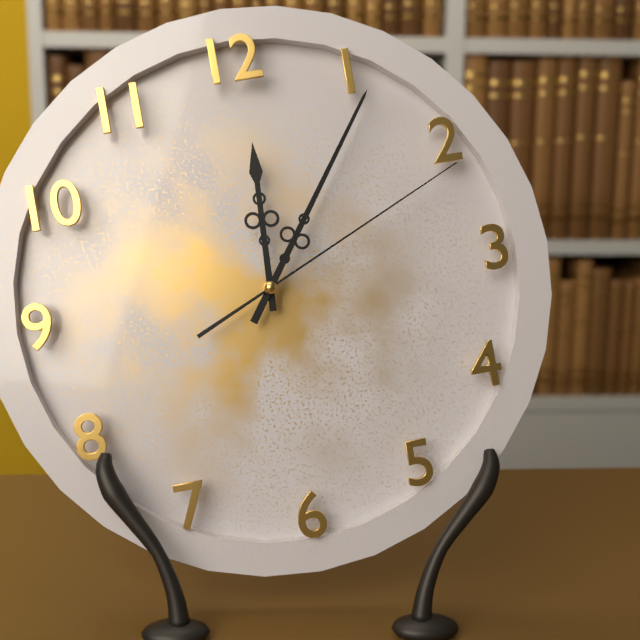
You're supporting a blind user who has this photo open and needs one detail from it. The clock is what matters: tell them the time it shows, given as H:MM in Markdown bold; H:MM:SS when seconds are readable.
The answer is **12:06:11**
